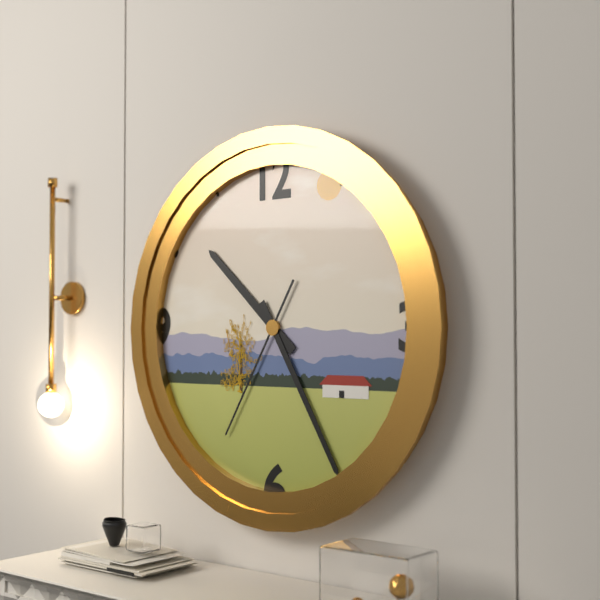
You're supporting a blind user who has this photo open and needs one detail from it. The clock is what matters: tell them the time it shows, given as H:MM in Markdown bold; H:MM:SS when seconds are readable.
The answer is **10:25:35**
